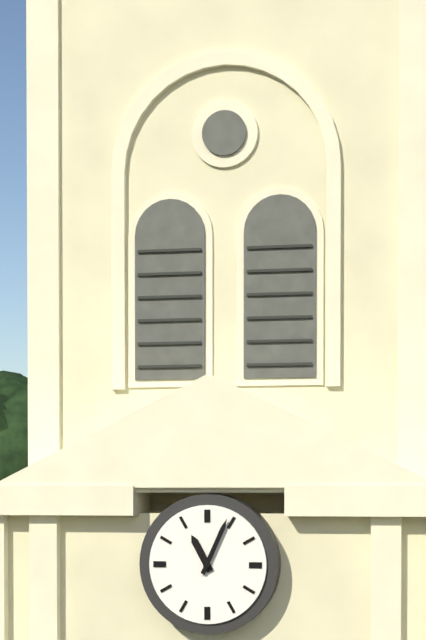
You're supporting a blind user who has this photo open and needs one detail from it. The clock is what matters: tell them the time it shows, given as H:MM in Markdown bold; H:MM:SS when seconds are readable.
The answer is **11:04**
